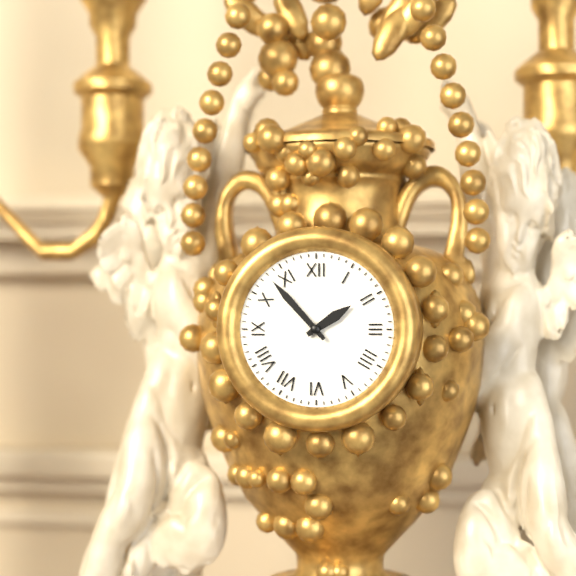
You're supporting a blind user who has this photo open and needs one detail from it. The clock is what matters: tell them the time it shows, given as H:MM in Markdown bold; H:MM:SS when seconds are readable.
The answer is **1:53**
